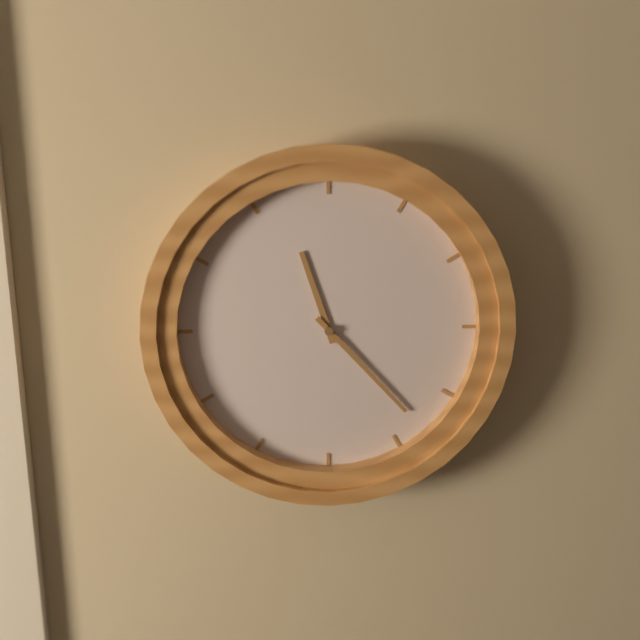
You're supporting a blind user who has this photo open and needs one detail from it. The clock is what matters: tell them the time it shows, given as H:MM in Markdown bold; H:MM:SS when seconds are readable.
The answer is **11:23**
